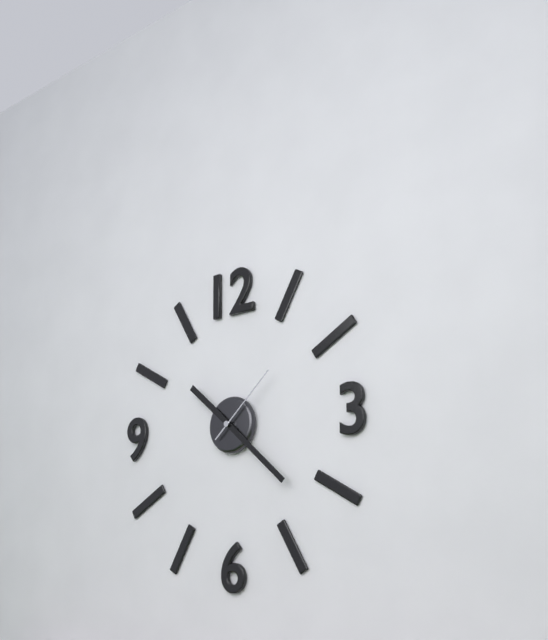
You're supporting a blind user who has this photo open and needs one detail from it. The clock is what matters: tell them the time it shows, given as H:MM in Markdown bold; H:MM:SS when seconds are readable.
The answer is **10:22:08**
